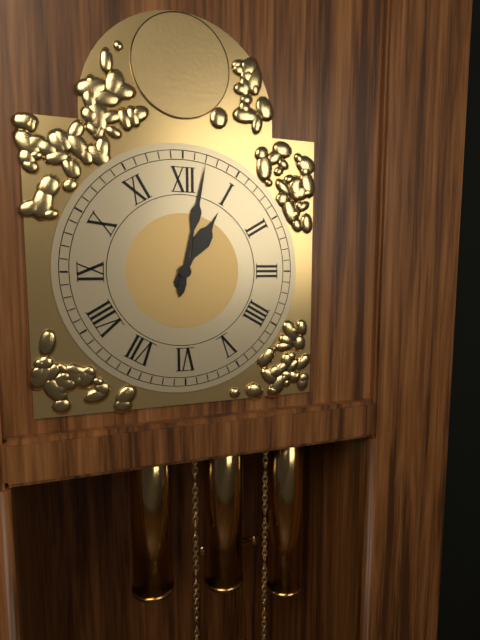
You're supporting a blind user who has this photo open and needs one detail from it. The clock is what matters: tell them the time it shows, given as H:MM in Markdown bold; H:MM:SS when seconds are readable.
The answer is **1:02**
